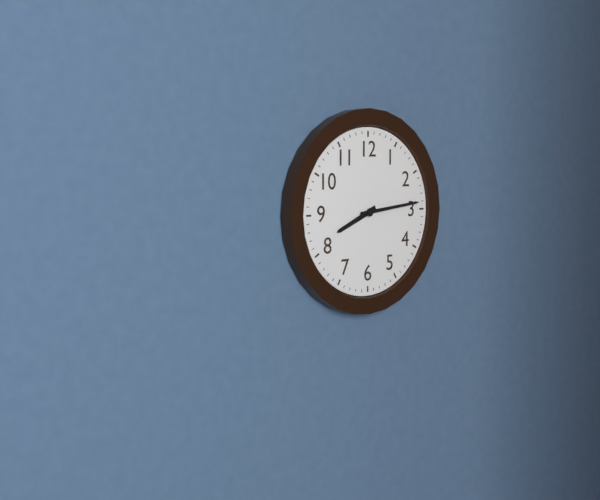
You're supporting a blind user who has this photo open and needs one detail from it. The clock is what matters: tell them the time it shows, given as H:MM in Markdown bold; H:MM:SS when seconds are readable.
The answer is **8:14**
